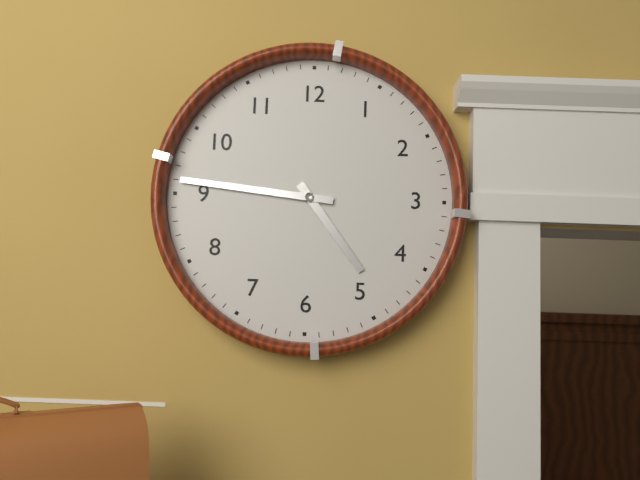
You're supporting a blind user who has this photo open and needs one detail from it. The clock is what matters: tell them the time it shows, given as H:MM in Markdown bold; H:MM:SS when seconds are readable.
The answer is **4:46**
